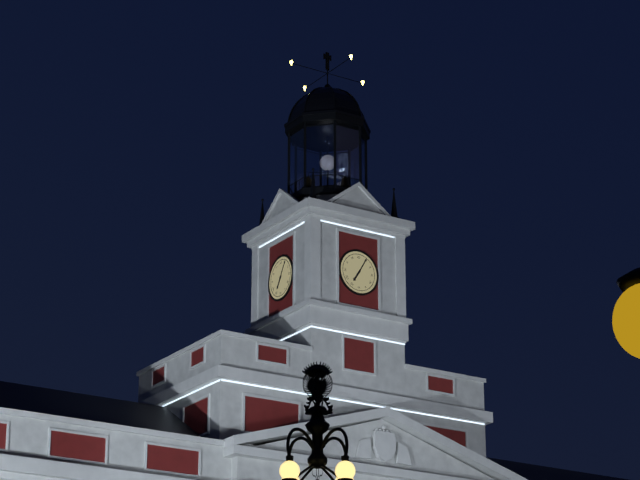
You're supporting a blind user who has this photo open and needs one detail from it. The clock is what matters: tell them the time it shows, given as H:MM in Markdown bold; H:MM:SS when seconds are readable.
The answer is **7:05**
